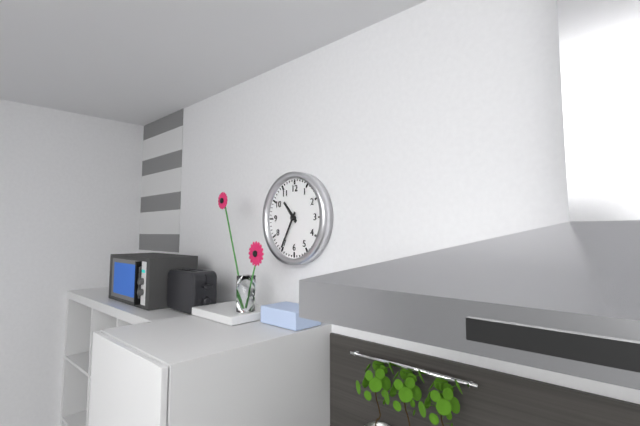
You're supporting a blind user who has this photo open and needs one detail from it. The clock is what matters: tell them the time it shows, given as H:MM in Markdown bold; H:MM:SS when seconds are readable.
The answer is **10:35**
